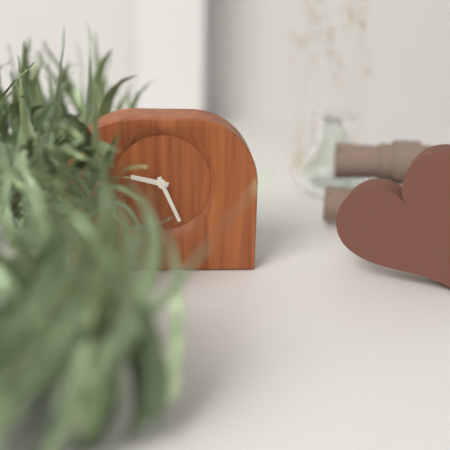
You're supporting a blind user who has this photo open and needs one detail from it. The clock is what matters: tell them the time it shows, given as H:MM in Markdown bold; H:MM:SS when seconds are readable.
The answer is **9:26**
